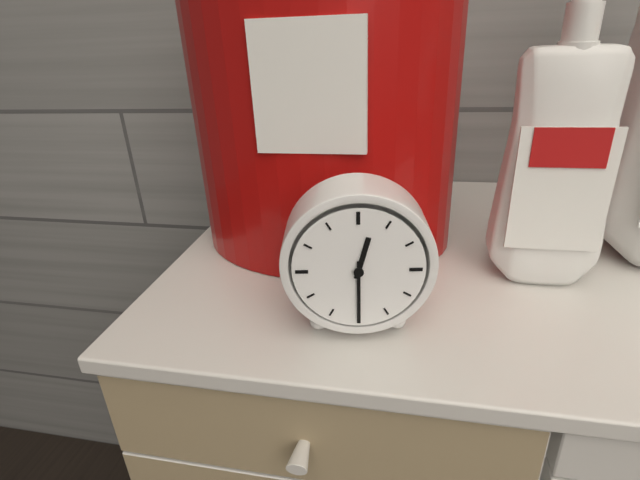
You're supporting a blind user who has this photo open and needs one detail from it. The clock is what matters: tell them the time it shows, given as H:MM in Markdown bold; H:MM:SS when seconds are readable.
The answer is **12:30**
